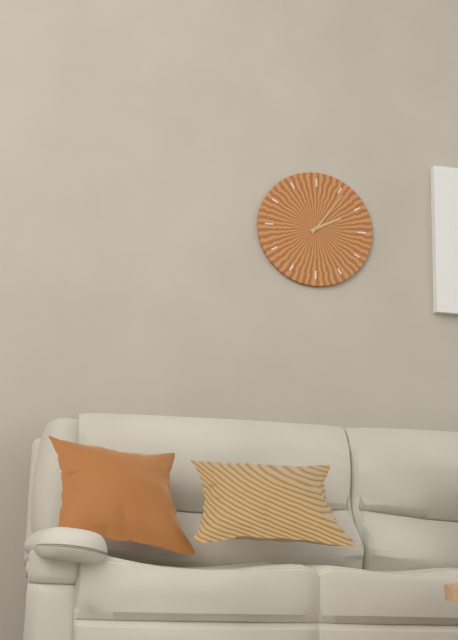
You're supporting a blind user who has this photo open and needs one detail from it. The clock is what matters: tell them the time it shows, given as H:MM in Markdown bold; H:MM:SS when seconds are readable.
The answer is **2:06**
